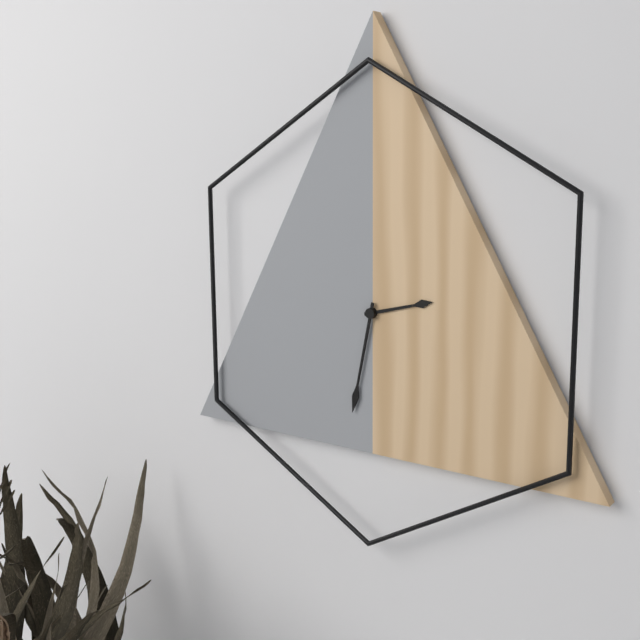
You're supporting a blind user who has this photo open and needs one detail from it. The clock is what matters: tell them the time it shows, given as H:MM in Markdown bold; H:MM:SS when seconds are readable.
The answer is **2:32**
